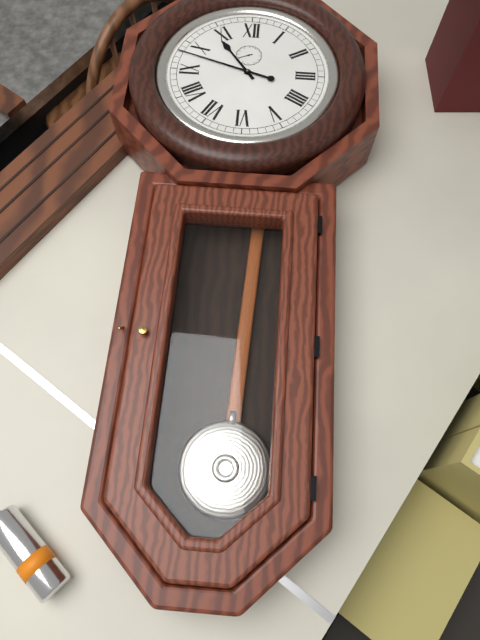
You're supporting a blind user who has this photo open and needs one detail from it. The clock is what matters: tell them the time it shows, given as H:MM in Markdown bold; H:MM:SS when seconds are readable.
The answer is **10:48**
